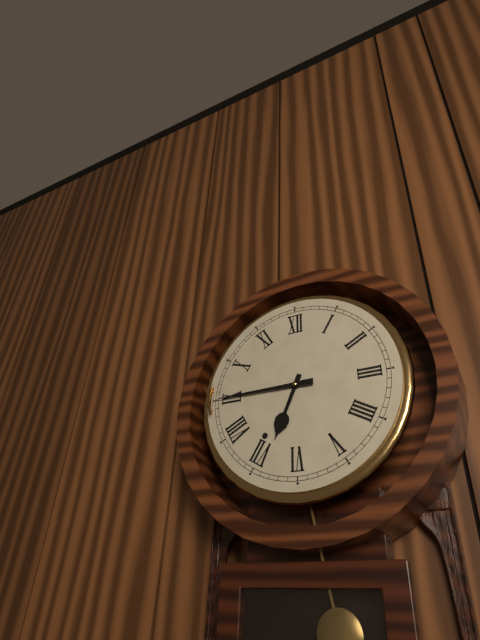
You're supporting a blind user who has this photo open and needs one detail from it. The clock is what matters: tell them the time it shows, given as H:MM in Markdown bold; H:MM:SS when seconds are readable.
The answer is **6:45**
